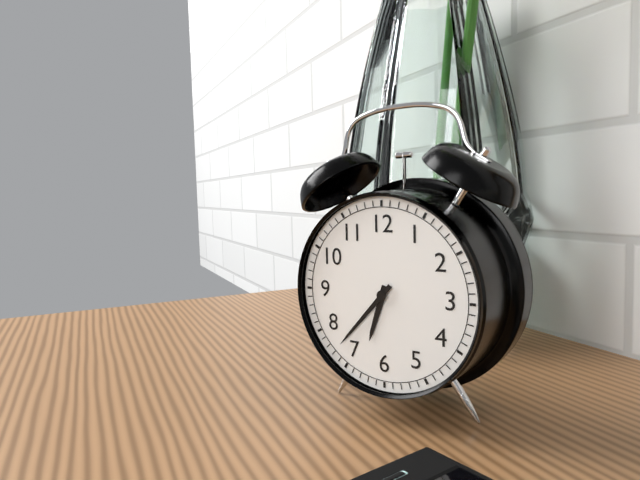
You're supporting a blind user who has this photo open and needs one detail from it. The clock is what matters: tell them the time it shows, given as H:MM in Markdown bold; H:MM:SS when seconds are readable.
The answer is **6:37**
